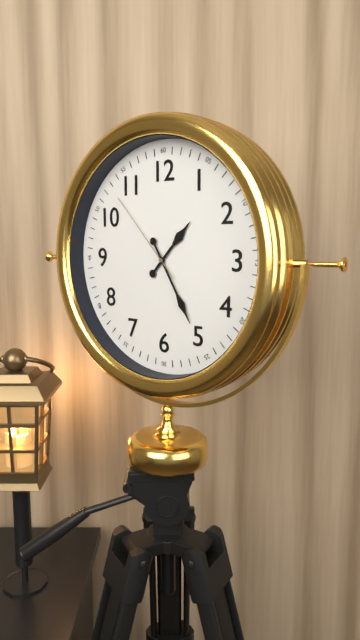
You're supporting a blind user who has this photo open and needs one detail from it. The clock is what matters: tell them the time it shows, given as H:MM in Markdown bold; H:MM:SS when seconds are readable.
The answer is **1:25:53**
